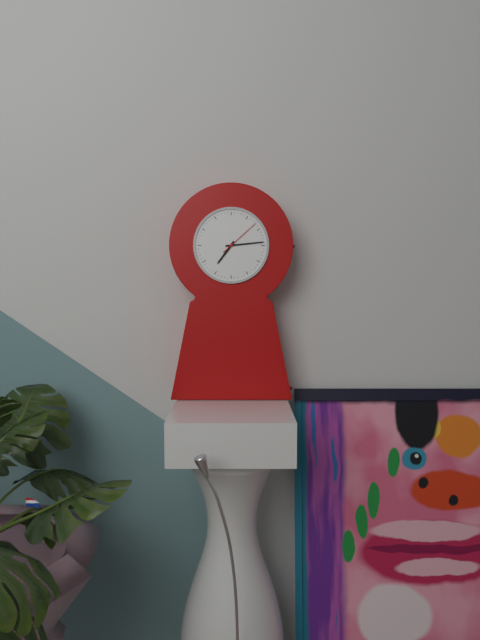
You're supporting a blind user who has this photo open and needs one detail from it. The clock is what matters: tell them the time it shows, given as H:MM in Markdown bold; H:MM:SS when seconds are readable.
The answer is **7:14**
